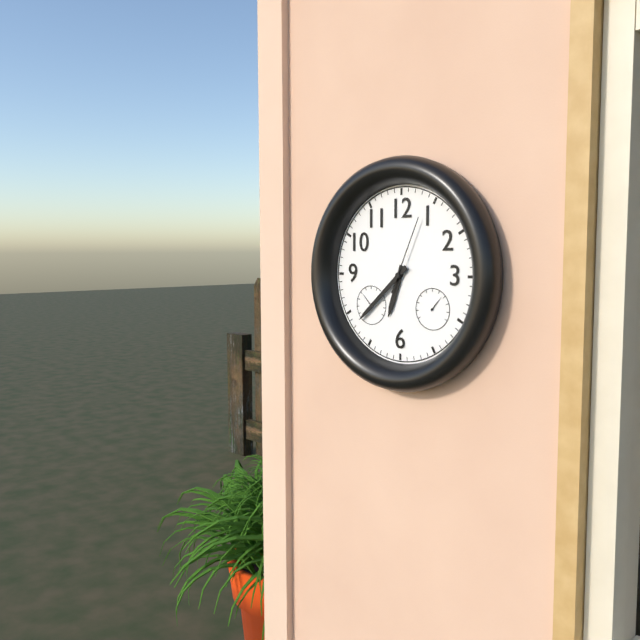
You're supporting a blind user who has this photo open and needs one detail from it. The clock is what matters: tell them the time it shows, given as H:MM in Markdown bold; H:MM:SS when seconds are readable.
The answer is **6:38:04**
